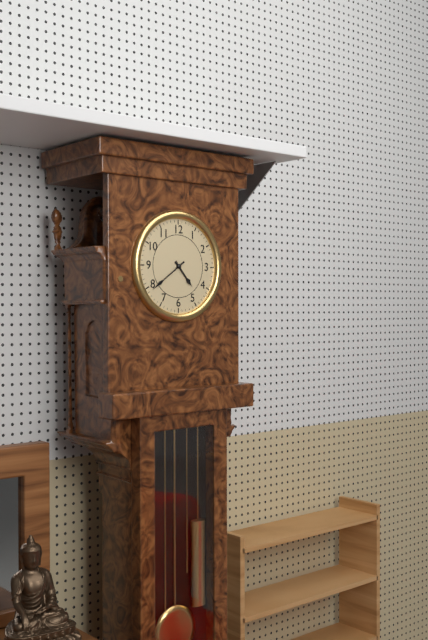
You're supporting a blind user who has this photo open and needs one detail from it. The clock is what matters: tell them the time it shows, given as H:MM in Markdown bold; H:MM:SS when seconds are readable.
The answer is **4:39**
